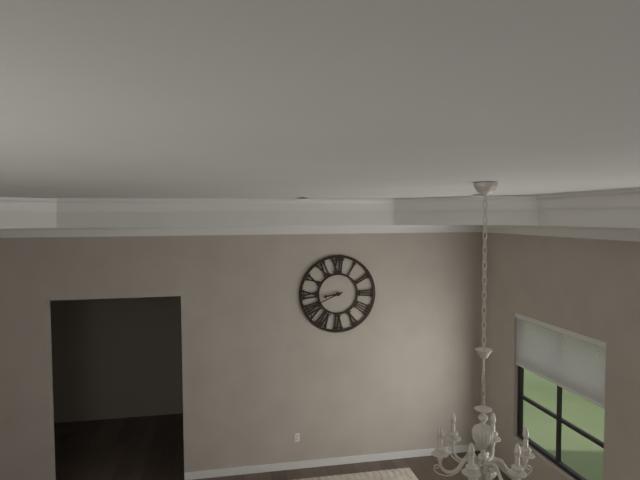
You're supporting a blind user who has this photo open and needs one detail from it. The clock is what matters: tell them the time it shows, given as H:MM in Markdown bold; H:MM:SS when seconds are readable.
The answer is **8:41**
